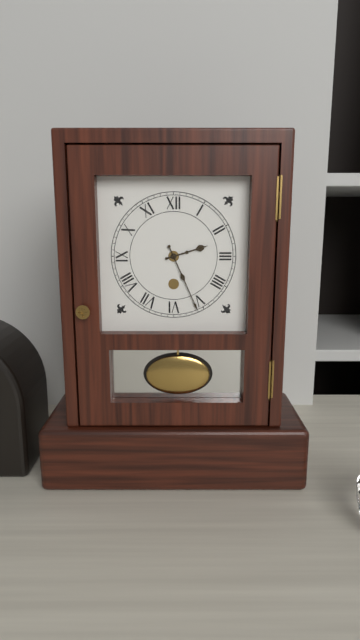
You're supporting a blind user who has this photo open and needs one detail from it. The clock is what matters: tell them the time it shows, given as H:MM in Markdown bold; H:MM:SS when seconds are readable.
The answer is **2:26**
